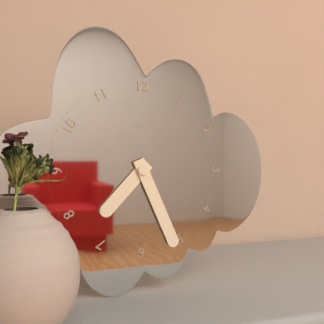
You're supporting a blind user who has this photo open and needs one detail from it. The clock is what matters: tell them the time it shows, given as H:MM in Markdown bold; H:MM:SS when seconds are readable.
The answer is **7:26**
